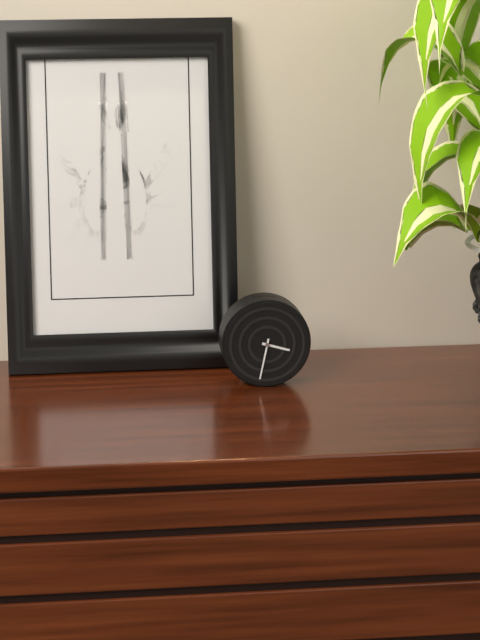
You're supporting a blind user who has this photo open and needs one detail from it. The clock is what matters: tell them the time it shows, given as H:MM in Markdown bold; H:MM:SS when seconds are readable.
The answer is **3:32**
